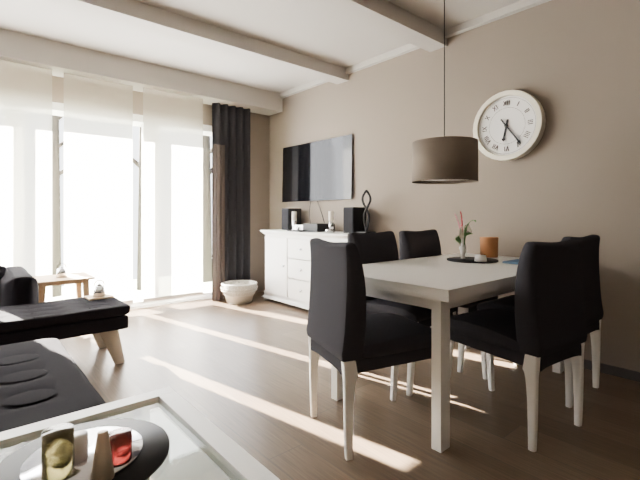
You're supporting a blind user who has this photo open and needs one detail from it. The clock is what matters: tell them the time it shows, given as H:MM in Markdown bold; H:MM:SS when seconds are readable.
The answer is **6:24**
